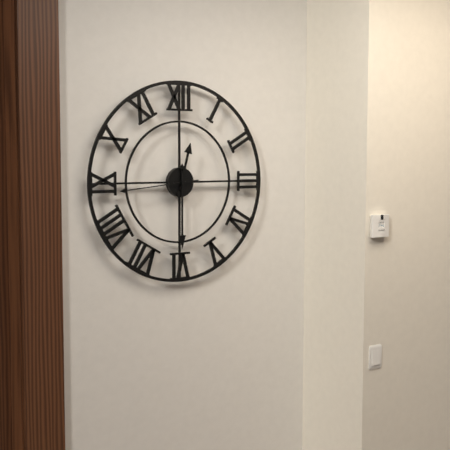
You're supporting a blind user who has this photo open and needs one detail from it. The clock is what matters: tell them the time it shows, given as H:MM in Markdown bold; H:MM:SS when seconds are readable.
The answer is **12:30:44**
